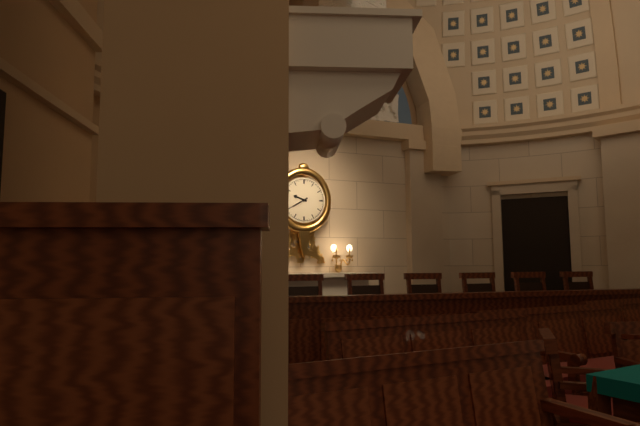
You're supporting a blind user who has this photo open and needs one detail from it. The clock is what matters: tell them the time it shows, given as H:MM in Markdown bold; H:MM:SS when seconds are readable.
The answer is **9:40**
